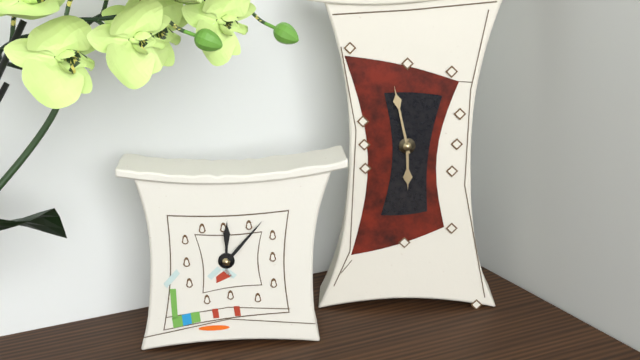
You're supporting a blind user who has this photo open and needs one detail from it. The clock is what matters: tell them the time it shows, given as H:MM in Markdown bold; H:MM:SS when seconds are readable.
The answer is **5:58**
